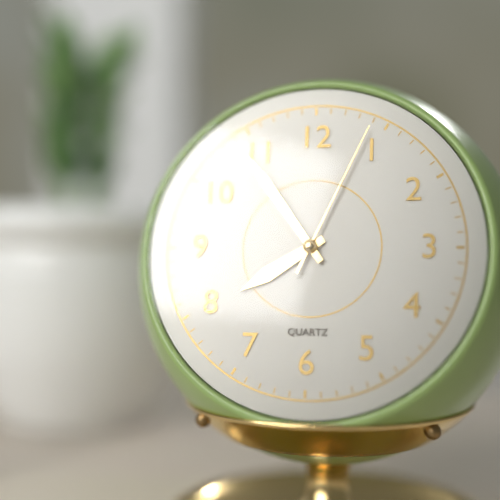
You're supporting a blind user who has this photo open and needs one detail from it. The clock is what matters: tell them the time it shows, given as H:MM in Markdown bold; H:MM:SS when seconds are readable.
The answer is **7:54:04**
